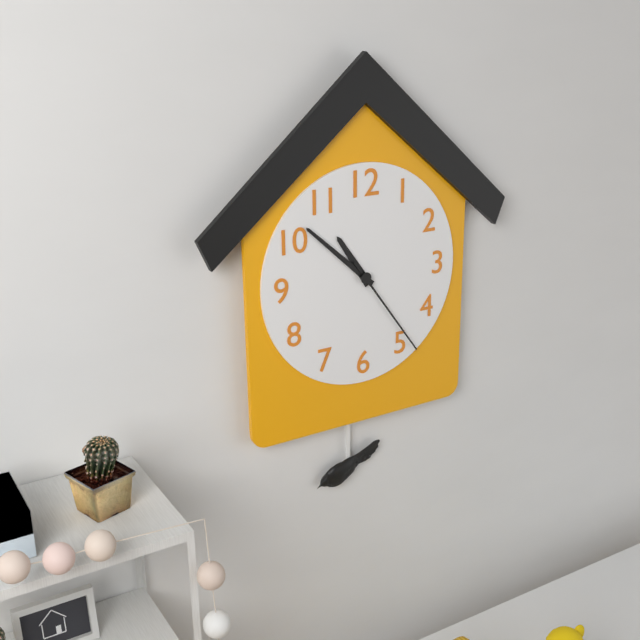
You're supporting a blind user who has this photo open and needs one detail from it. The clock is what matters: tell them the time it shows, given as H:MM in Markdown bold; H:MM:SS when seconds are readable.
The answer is **10:52:24**
